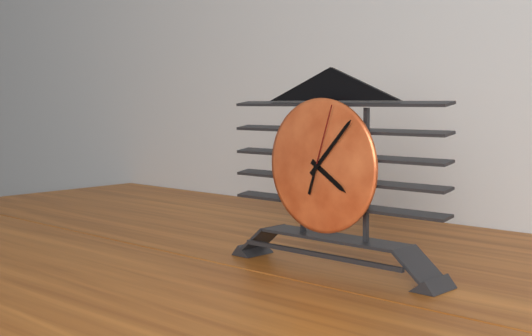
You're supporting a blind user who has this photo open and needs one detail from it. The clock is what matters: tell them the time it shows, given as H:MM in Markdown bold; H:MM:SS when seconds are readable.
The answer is **4:07:03**
